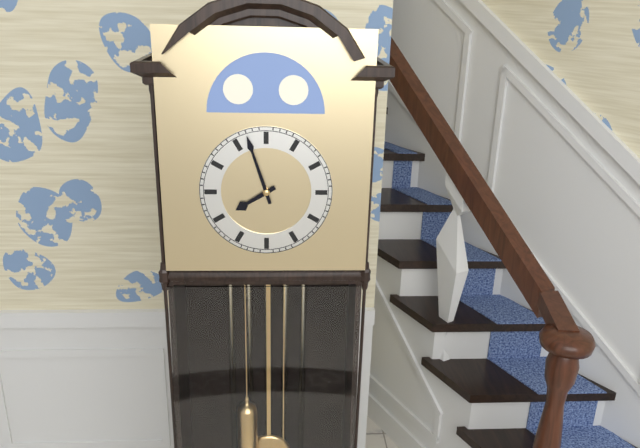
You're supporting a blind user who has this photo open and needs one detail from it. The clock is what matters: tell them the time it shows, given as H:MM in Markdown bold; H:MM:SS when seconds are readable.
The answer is **7:57**
